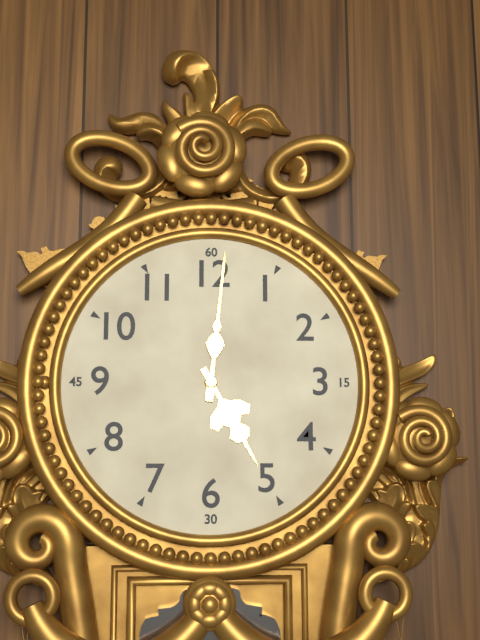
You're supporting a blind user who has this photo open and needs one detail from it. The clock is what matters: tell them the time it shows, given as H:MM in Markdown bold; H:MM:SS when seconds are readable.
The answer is **5:01**
